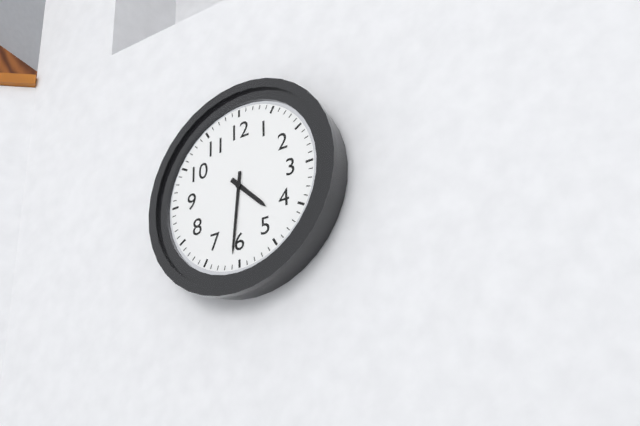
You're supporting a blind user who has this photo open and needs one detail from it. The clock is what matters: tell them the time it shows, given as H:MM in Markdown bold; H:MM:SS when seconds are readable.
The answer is **4:31**
